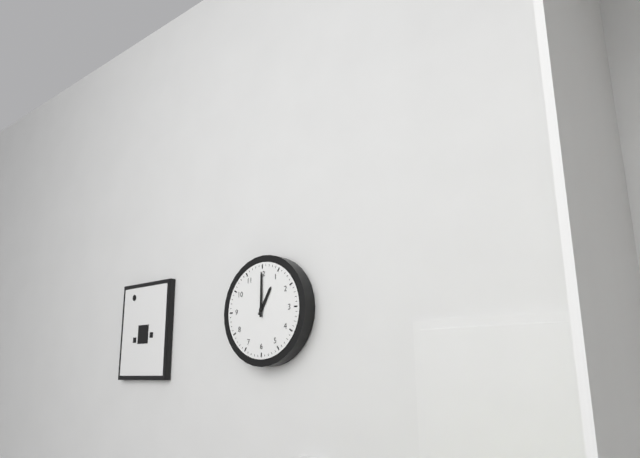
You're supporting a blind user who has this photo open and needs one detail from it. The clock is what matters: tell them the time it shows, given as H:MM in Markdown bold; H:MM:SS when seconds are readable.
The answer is **1:00**
